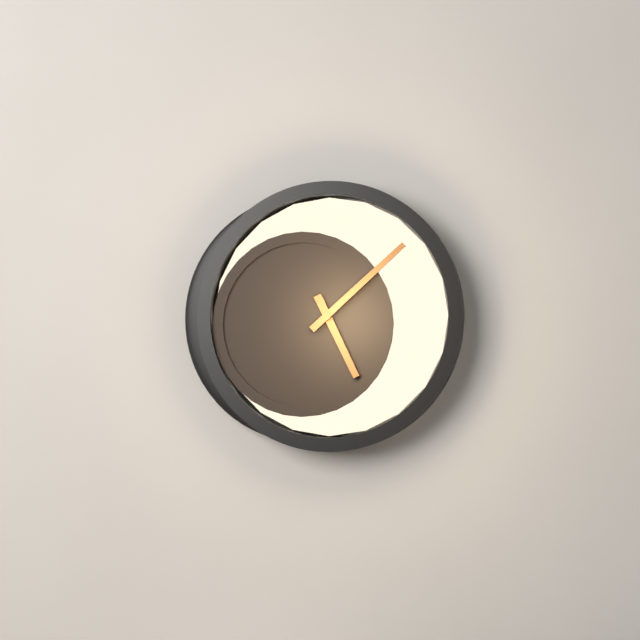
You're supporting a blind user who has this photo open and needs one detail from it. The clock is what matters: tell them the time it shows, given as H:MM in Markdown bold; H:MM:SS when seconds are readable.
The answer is **5:08**
